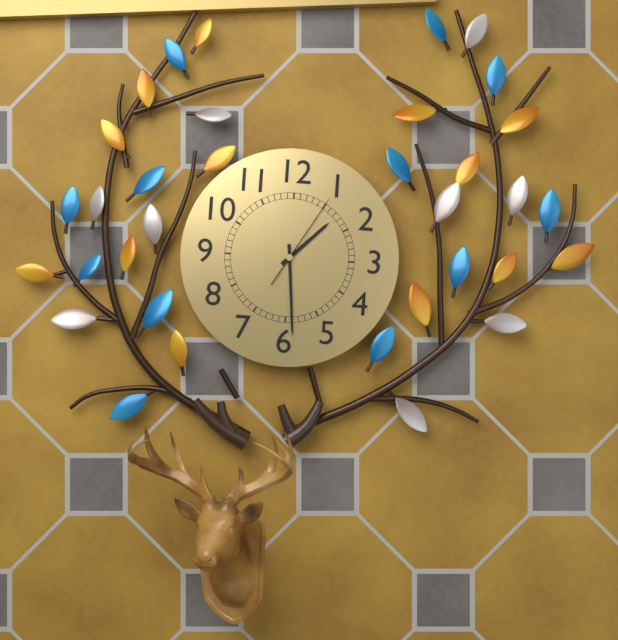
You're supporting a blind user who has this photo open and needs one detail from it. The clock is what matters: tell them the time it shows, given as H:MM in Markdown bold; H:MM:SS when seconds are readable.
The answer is **1:29:05**
